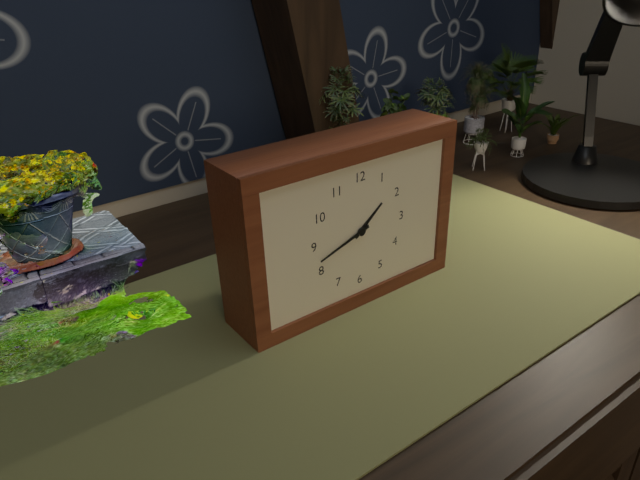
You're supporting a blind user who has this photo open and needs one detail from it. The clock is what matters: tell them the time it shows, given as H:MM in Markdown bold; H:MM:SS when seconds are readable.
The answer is **1:42**
